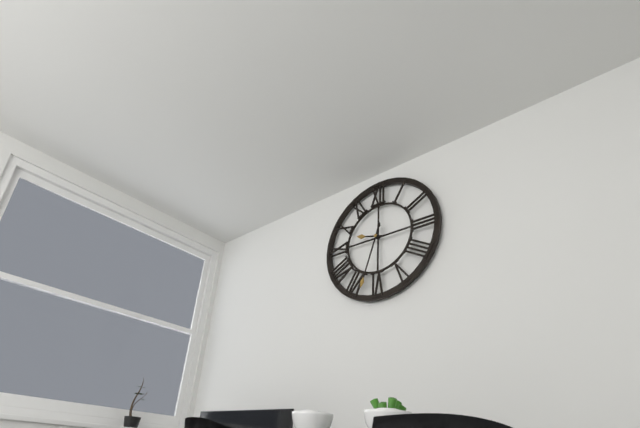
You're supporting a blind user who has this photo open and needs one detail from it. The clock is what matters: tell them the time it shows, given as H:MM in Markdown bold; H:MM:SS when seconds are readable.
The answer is **9:33**
